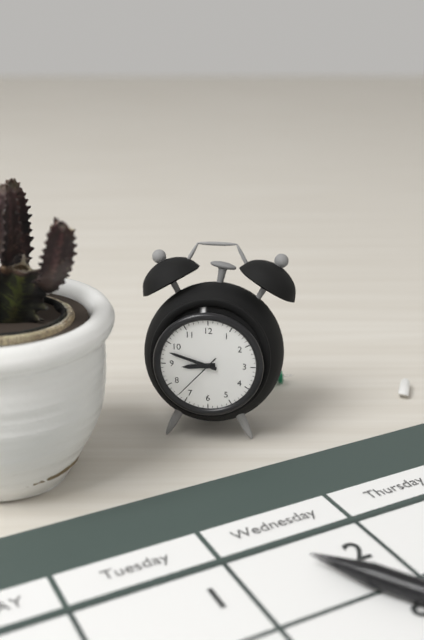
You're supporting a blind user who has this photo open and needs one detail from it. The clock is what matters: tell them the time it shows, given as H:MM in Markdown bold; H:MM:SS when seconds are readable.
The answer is **8:48:37**
